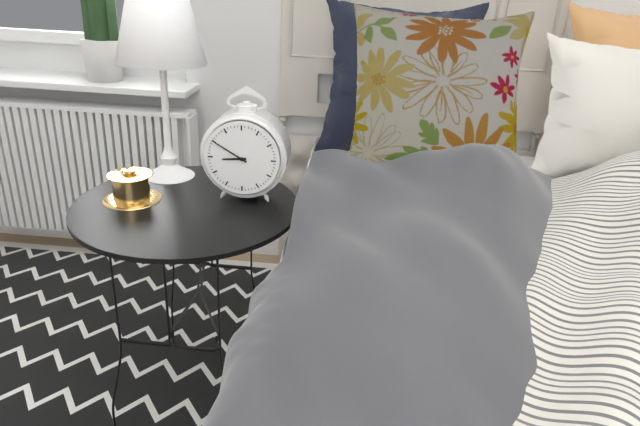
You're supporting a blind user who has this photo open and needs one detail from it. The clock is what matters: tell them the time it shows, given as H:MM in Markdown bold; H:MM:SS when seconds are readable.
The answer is **8:50**
